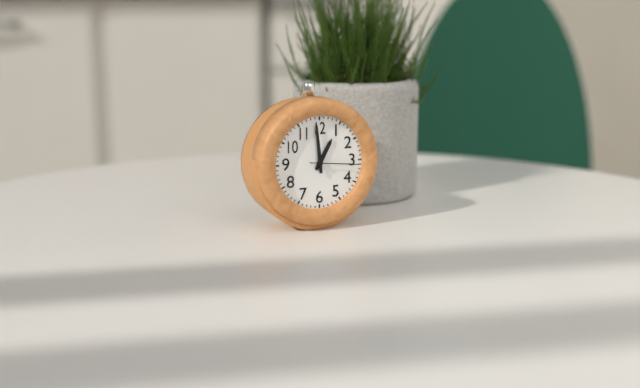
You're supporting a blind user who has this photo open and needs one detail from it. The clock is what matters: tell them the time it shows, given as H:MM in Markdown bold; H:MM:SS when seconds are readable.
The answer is **12:59:16**
